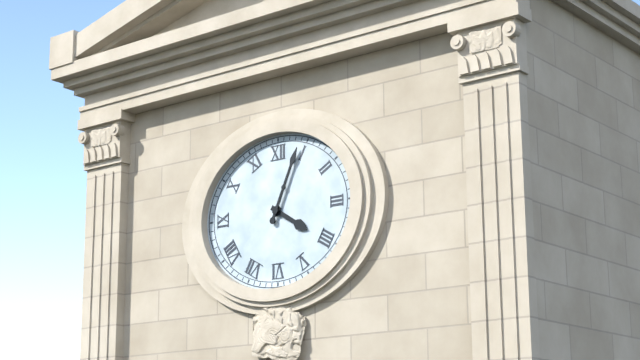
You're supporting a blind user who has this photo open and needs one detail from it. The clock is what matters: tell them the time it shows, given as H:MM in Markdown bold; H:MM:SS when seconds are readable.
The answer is **4:04**
